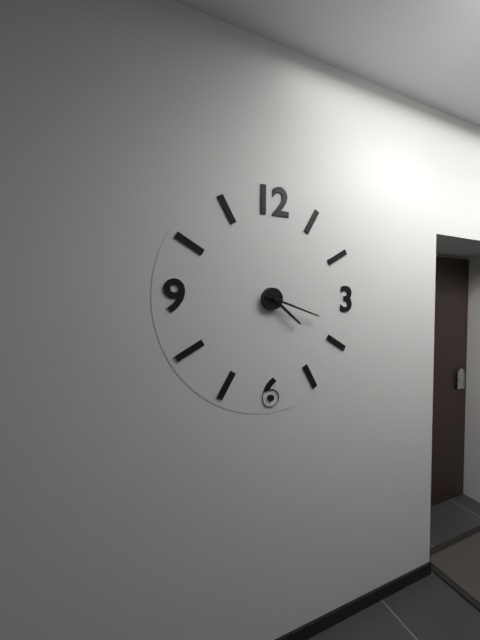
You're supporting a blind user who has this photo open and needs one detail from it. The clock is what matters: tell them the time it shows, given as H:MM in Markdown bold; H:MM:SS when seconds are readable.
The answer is **4:18**
